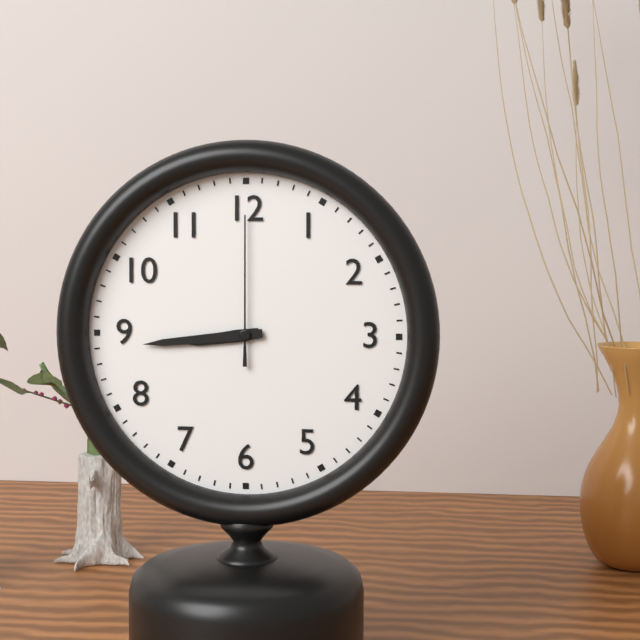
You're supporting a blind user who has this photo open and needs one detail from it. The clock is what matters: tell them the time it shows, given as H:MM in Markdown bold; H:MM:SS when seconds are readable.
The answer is **8:44:00**
